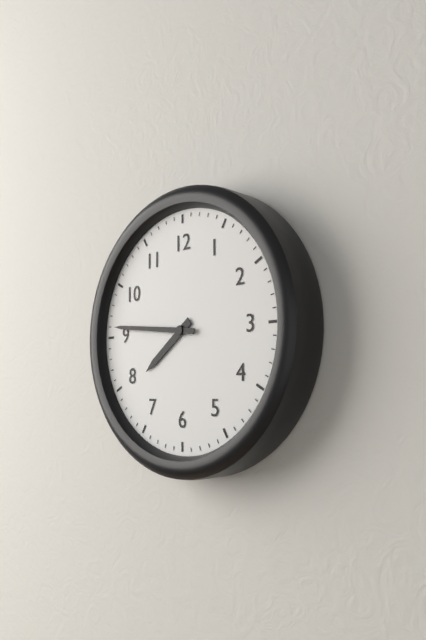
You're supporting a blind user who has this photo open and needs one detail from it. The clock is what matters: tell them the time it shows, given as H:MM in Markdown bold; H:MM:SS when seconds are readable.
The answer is **7:46**
